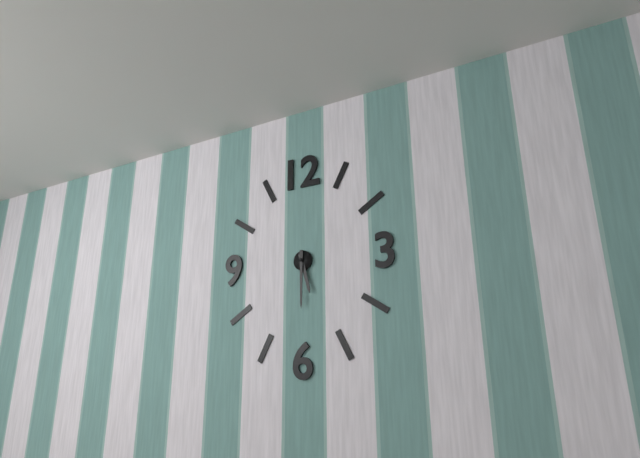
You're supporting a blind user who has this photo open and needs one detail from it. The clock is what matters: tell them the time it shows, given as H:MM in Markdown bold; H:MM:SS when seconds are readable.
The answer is **5:30**
